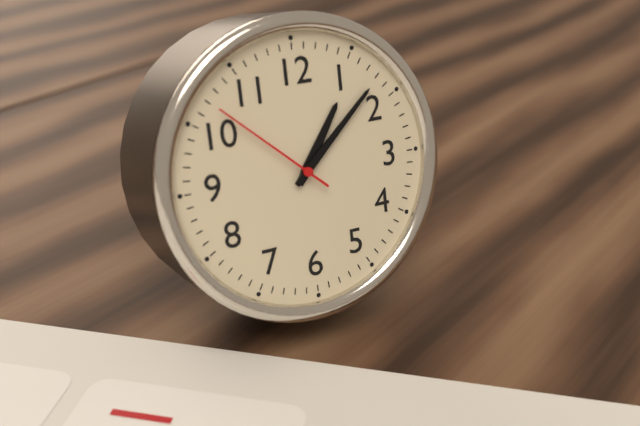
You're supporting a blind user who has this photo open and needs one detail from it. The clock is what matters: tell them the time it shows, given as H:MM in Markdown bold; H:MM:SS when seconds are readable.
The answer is **1:08:52**
